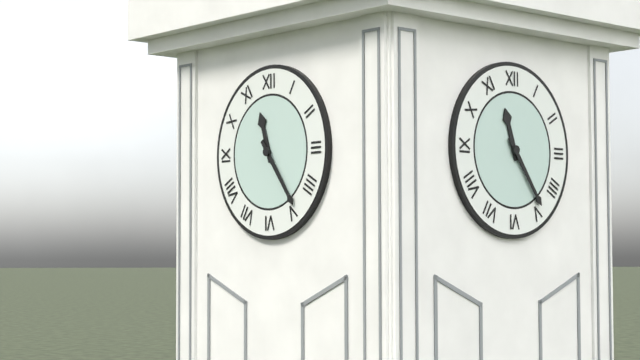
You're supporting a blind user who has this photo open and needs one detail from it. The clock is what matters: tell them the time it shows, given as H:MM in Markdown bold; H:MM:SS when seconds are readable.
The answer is **11:24**
